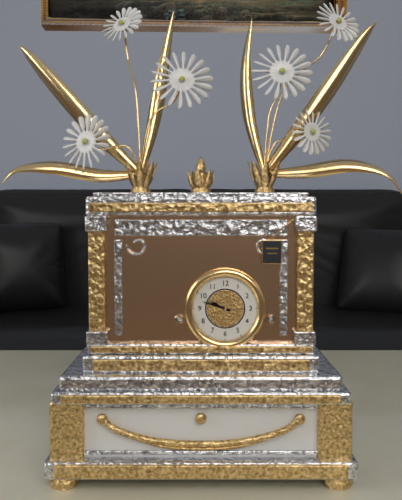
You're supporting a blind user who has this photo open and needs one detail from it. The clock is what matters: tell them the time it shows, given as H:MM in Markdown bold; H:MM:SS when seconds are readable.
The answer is **9:48**
